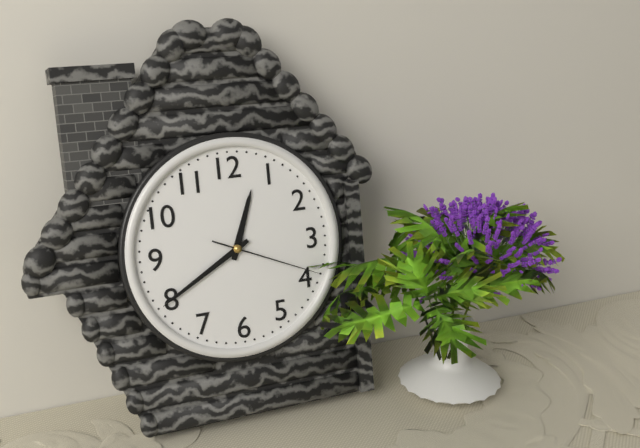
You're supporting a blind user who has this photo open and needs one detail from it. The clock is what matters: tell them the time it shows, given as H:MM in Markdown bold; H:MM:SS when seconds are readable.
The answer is **12:40:19**
